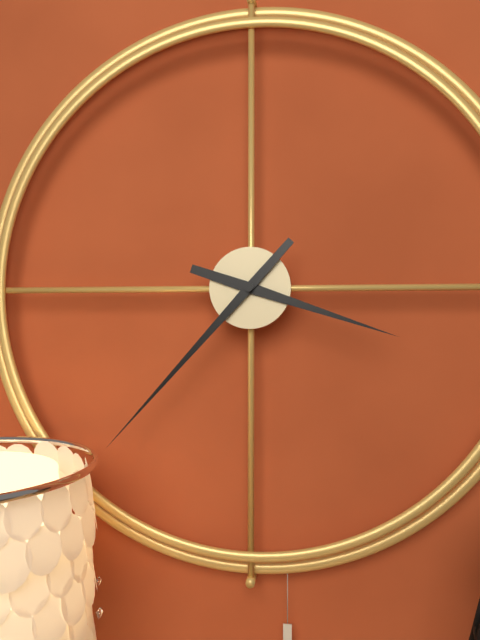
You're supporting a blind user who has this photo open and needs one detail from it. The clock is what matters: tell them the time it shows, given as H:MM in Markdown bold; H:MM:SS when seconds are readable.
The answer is **3:37**
